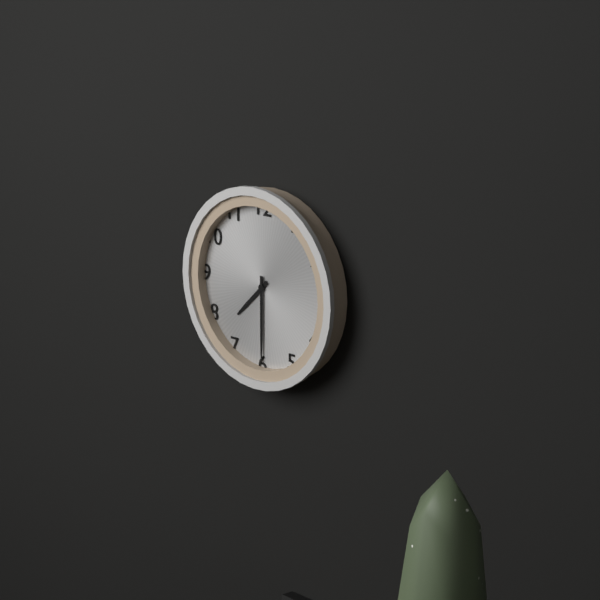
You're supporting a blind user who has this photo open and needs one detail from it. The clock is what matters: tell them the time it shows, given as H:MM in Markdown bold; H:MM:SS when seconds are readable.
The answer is **7:30**
